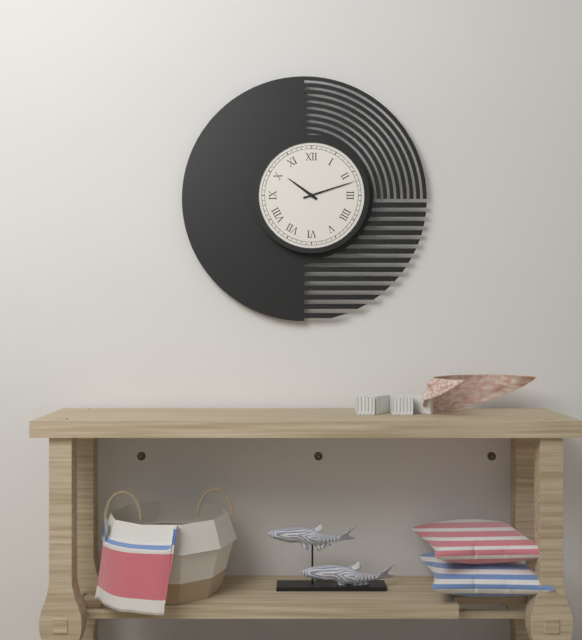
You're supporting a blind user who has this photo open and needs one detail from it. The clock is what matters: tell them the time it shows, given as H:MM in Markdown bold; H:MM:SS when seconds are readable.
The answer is **10:12**
